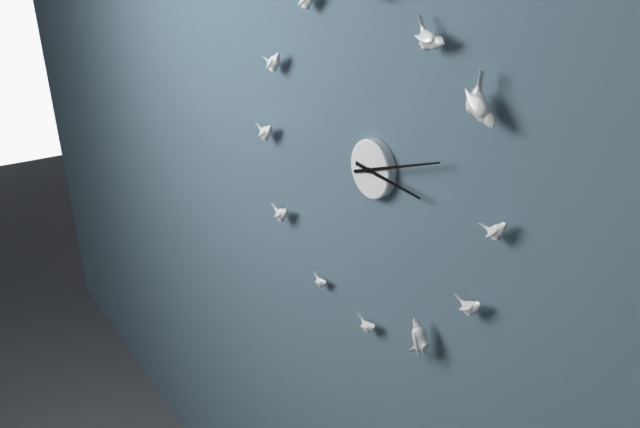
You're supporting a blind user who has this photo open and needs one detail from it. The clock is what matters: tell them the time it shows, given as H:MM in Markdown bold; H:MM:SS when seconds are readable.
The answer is **3:12**
